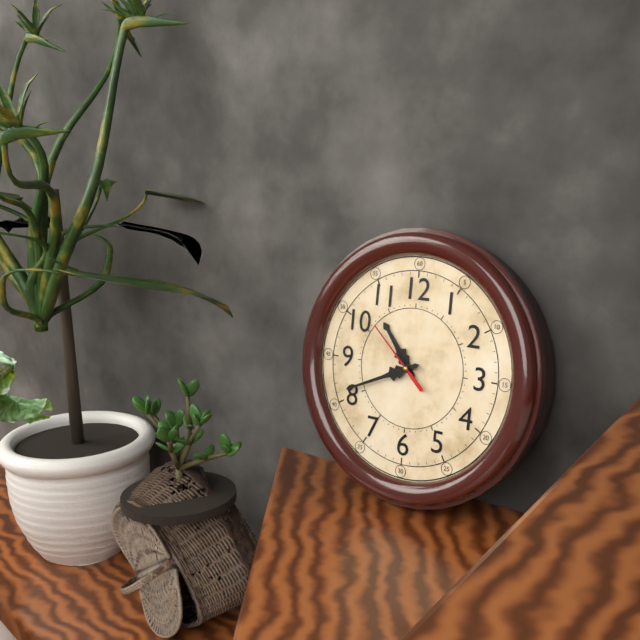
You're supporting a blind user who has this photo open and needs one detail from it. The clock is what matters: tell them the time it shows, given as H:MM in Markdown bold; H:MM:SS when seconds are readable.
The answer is **10:41:52**
